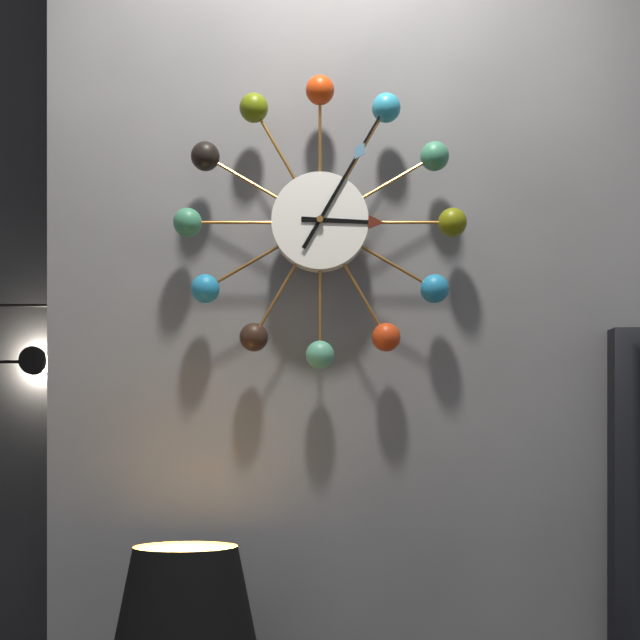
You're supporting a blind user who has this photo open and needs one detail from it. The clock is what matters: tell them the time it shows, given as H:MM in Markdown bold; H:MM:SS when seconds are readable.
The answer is **3:05**
